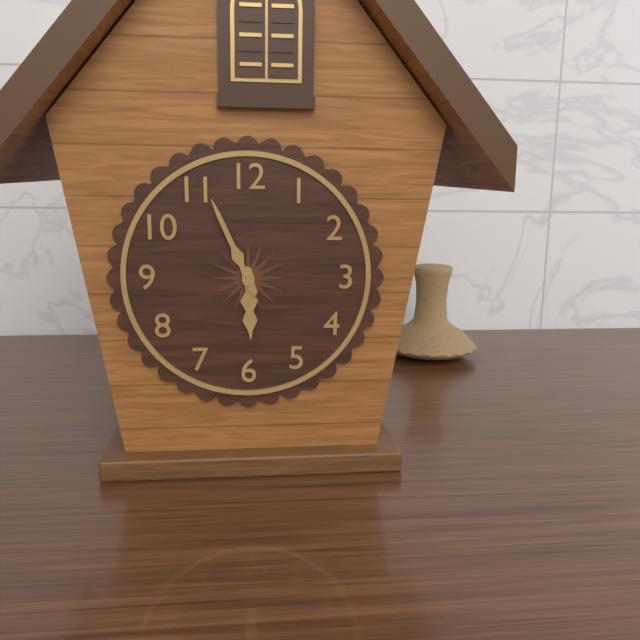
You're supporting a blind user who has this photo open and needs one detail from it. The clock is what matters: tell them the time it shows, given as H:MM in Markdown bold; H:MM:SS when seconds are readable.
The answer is **5:56**
